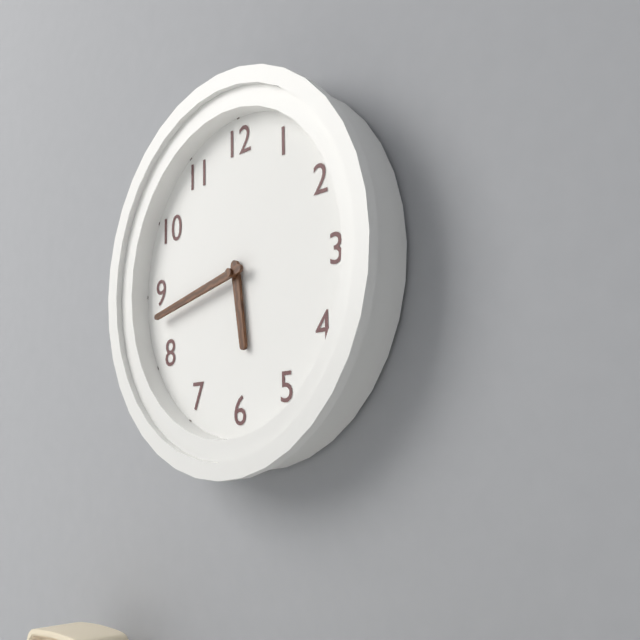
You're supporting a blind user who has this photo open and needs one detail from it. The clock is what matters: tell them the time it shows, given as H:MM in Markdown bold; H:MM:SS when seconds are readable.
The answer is **5:43**
